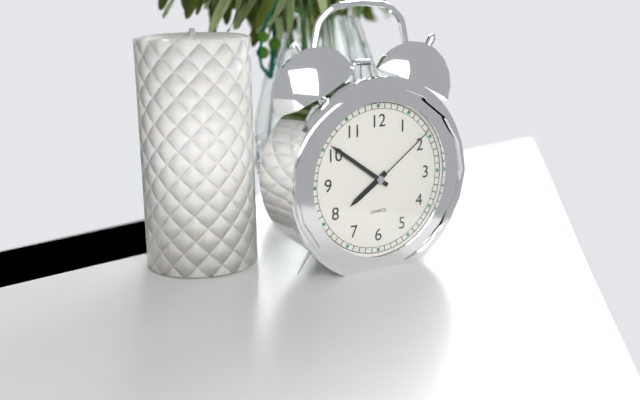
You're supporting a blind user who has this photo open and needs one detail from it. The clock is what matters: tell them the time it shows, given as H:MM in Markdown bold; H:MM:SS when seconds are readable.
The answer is **7:51:09**
